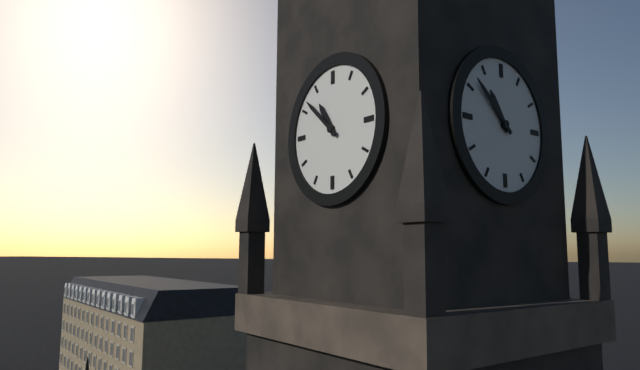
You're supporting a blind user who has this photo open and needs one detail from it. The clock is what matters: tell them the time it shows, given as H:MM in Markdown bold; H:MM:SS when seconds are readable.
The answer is **10:52**
